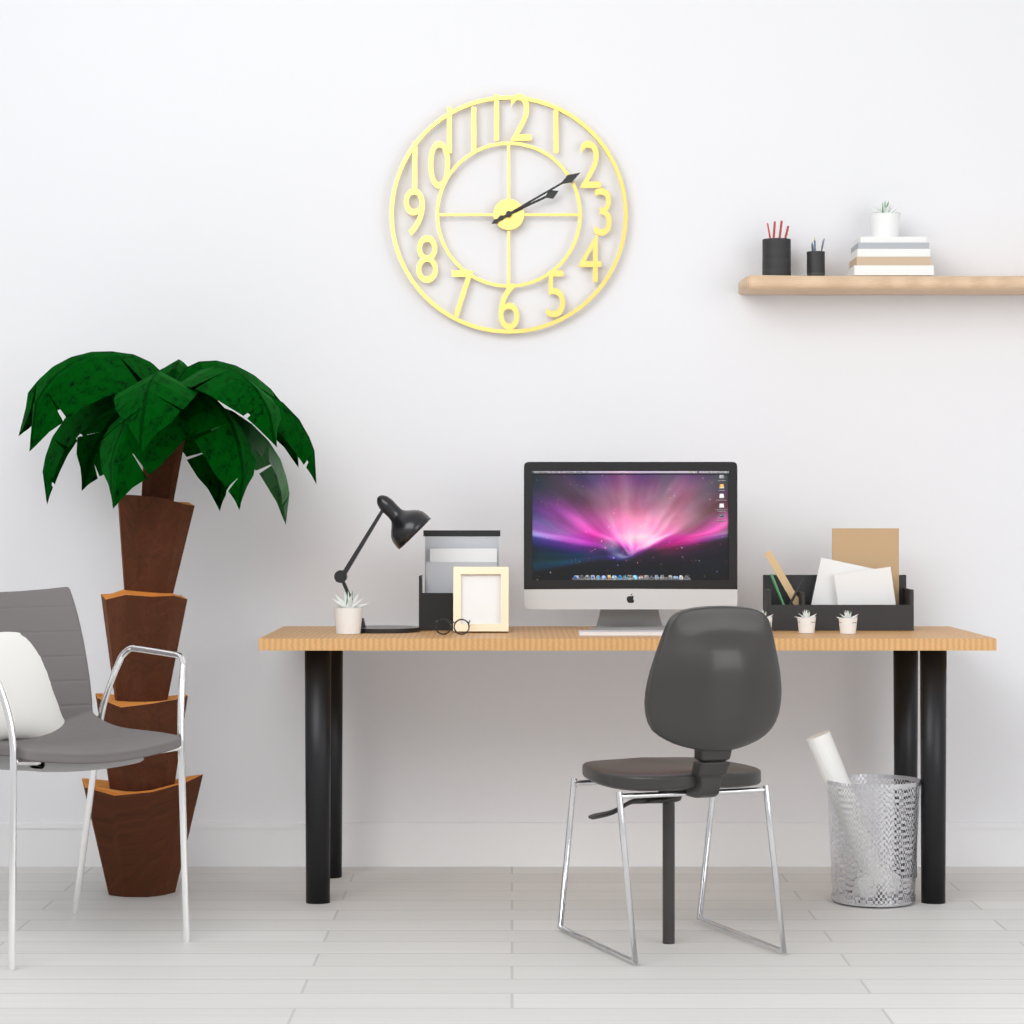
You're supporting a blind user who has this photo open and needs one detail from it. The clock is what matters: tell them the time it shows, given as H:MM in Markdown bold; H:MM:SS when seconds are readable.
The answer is **2:10**
